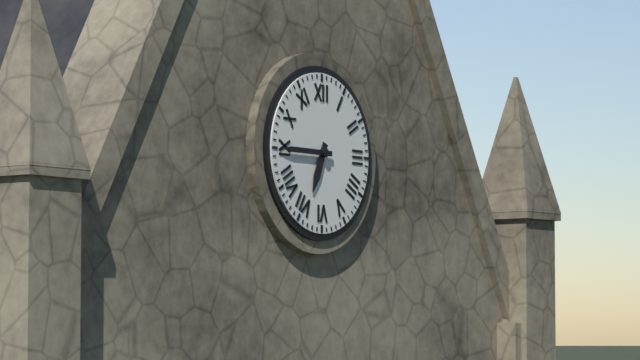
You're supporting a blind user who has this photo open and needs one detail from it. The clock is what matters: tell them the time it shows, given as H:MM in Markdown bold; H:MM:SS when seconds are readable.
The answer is **6:45**
